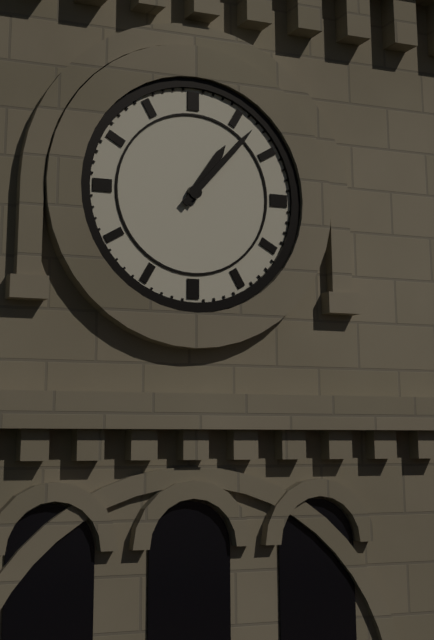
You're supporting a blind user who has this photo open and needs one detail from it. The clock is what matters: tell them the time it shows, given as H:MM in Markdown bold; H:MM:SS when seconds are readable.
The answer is **1:07**
